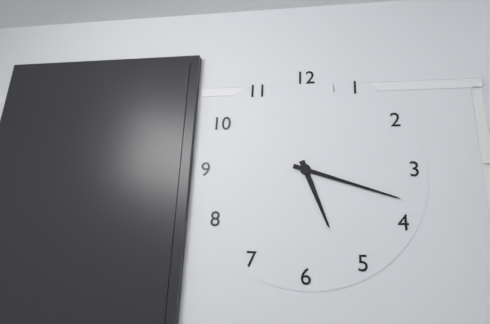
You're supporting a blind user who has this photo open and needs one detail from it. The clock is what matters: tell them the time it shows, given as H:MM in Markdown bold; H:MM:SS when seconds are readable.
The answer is **5:18**
